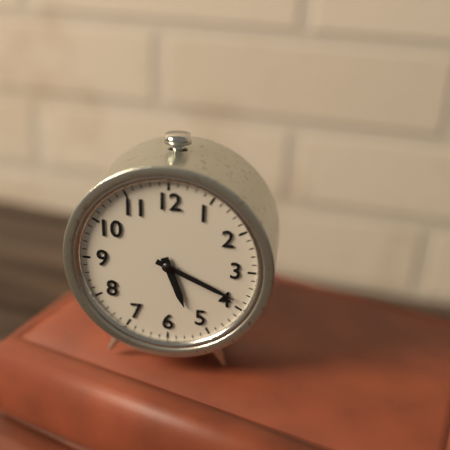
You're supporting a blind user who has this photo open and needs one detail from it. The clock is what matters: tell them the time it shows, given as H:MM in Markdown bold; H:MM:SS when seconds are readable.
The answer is **5:19**
